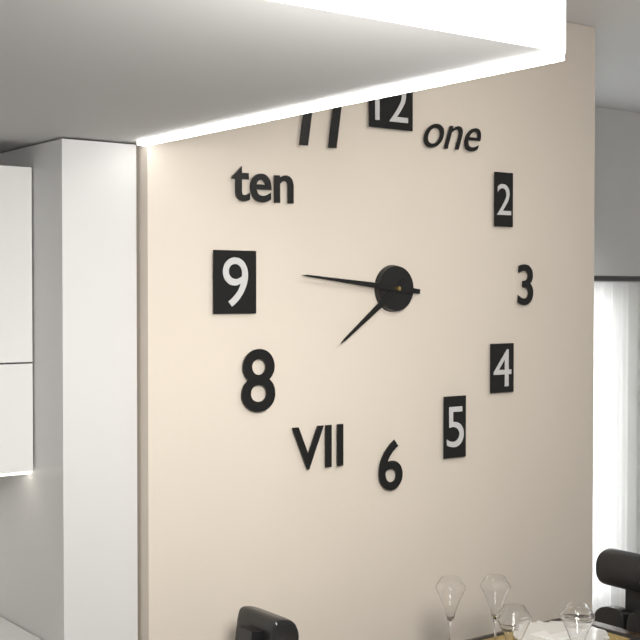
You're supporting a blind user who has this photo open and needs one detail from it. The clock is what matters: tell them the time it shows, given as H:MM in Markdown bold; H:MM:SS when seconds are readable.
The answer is **7:46**
